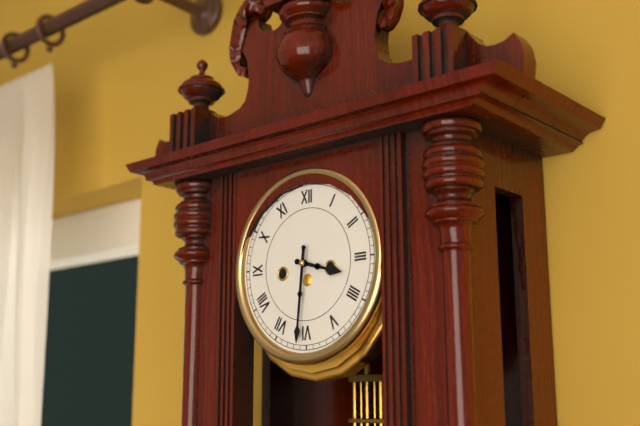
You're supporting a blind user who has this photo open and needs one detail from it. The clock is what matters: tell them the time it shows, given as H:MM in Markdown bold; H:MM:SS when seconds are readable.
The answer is **3:31**
